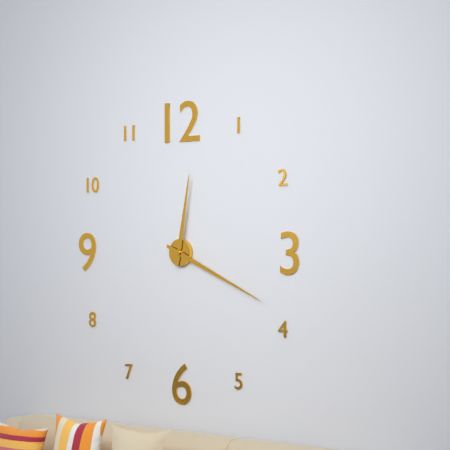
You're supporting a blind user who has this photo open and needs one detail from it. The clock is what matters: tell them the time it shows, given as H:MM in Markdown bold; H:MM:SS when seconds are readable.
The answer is **12:19**
